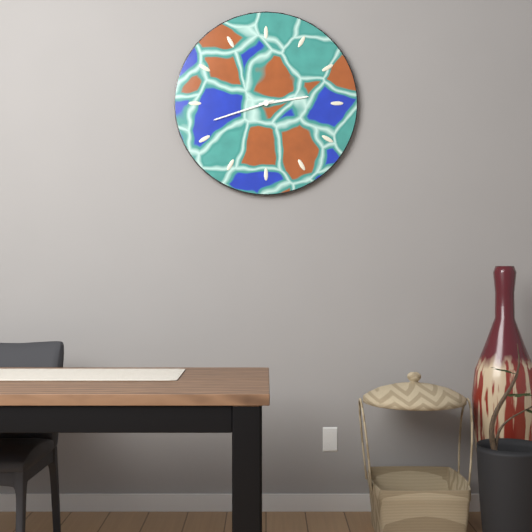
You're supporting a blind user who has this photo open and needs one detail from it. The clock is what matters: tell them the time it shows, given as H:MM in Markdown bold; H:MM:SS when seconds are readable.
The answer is **2:42**
